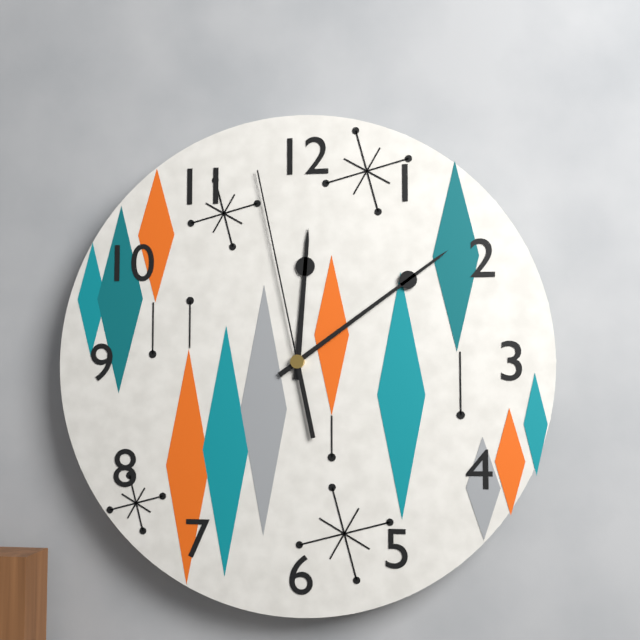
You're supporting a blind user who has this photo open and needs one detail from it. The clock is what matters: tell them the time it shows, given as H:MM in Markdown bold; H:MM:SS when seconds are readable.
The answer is **12:09:58**
